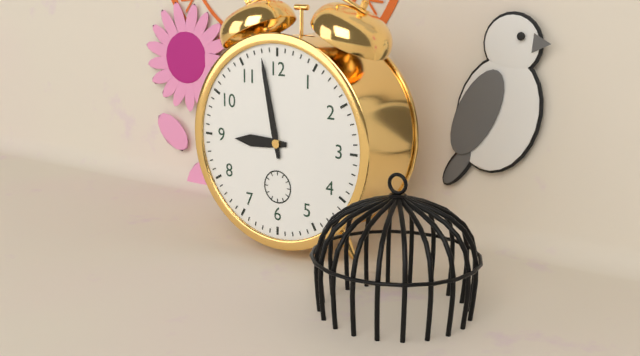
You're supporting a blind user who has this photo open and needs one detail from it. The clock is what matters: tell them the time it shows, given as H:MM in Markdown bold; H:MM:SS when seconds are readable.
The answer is **8:58**
